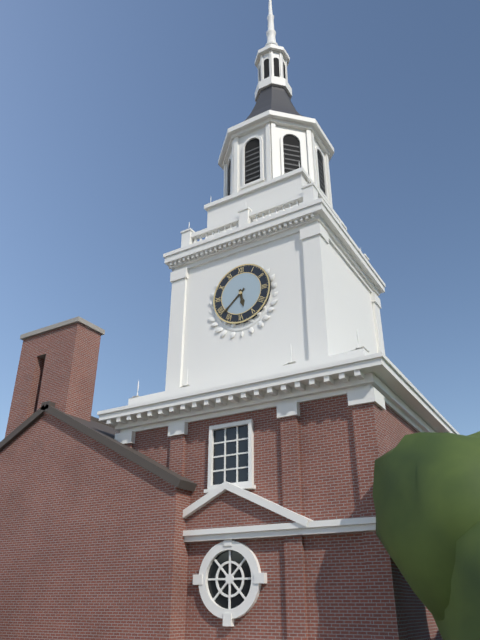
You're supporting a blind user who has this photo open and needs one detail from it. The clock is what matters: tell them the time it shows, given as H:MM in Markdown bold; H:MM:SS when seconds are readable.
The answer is **5:38**
